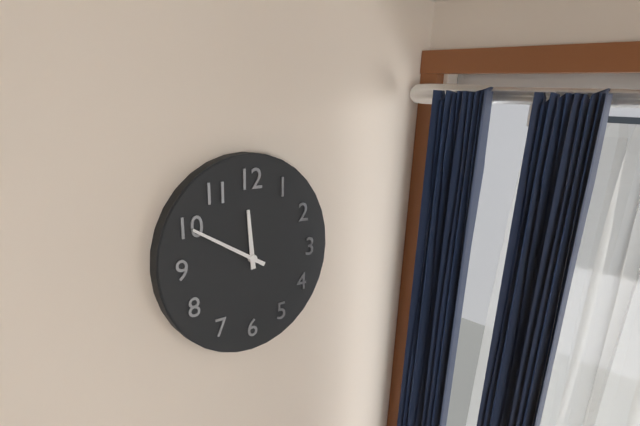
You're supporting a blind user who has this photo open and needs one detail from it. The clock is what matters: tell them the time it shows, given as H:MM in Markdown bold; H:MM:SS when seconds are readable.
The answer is **11:50**
